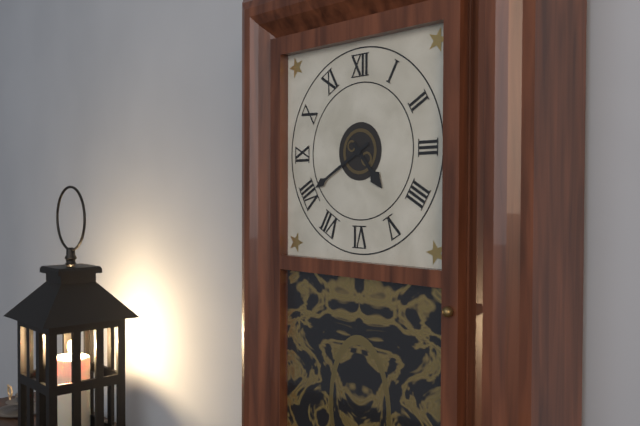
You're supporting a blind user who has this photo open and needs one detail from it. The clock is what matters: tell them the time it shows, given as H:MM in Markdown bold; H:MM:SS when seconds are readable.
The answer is **4:40**
